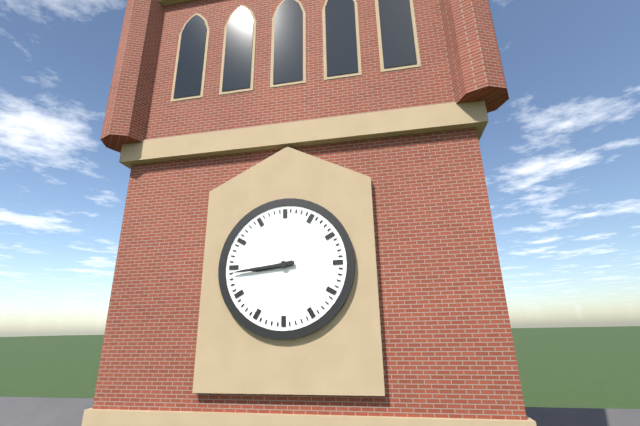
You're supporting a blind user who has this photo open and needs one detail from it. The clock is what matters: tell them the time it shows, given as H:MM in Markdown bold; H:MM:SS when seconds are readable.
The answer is **8:44**
